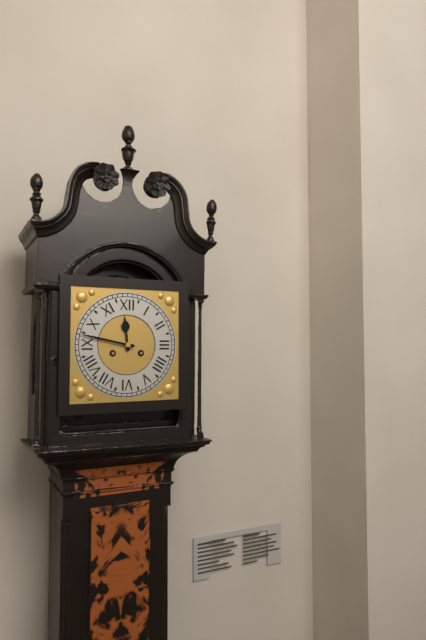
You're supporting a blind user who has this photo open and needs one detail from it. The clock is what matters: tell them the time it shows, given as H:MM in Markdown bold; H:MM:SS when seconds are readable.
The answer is **11:47**
